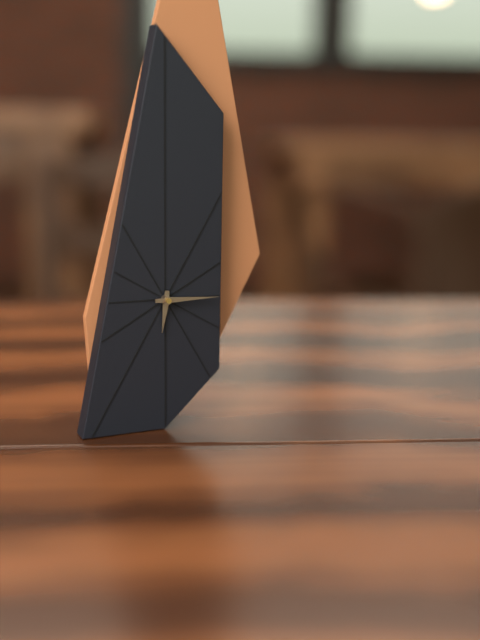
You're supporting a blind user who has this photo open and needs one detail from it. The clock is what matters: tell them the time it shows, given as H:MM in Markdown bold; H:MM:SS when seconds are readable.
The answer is **6:15**
